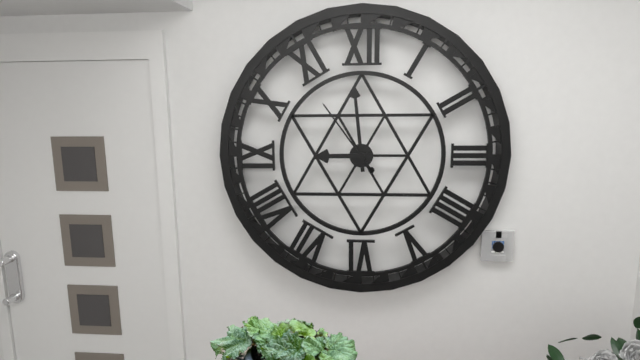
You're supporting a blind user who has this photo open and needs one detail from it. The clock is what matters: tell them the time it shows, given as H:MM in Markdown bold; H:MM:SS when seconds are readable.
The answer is **8:59:54**
